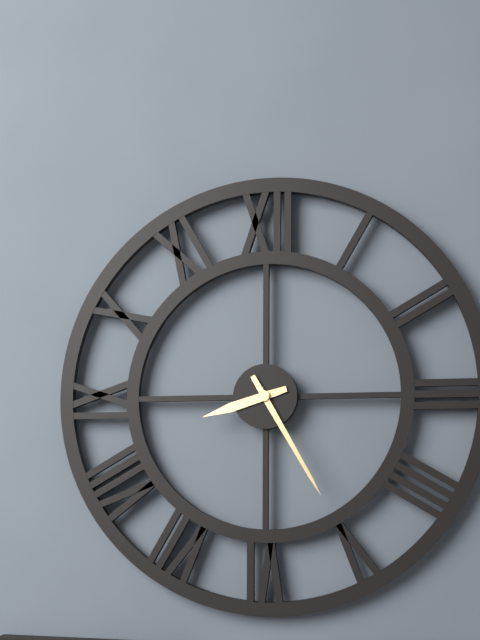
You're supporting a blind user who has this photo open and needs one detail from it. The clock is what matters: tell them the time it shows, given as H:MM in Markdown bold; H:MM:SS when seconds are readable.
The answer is **8:25**
